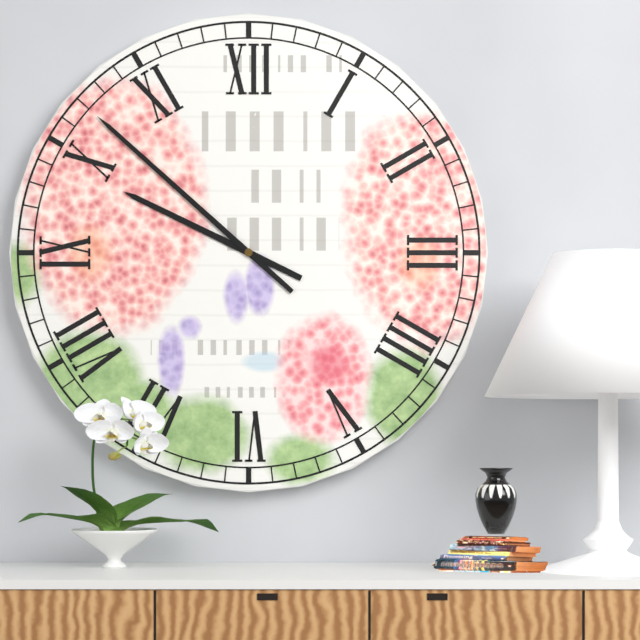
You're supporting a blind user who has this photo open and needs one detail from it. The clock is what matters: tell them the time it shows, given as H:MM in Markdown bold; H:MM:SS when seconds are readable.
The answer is **9:52**
